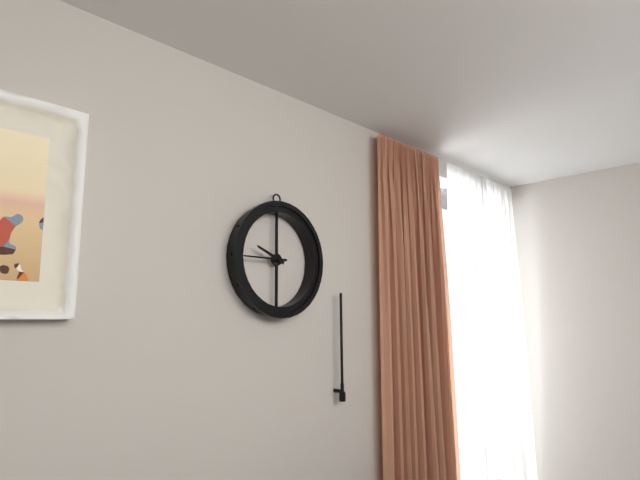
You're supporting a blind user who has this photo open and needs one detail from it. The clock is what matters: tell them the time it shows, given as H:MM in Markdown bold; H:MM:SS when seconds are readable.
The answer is **9:45**
